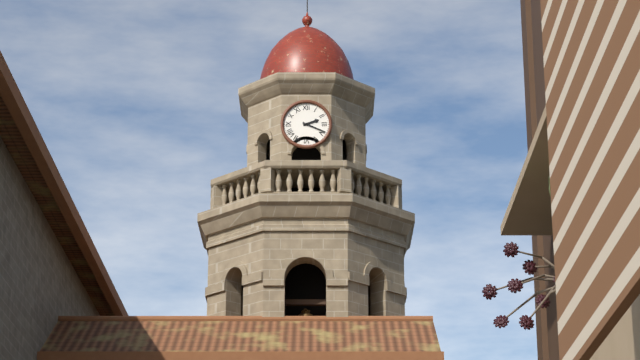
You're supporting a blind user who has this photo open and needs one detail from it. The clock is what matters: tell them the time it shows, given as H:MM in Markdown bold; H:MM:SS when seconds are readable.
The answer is **2:19**
